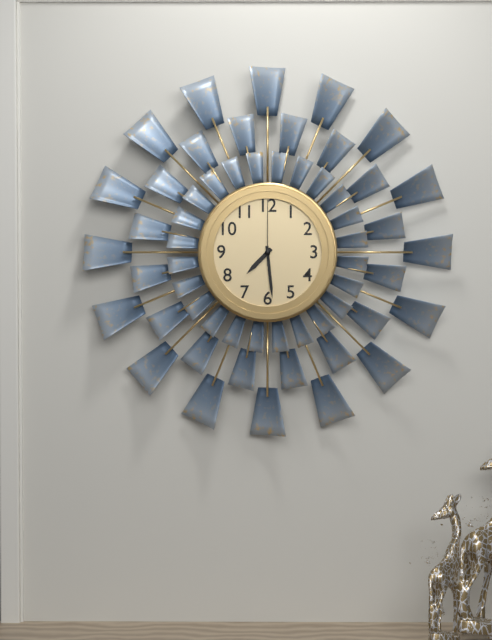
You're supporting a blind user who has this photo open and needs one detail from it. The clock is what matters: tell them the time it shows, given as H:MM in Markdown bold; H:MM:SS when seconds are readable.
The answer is **7:29:00**
